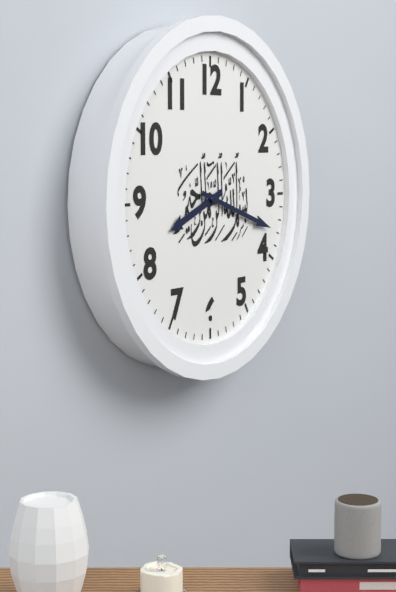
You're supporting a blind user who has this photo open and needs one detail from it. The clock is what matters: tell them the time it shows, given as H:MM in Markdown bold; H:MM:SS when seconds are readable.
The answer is **8:18**
